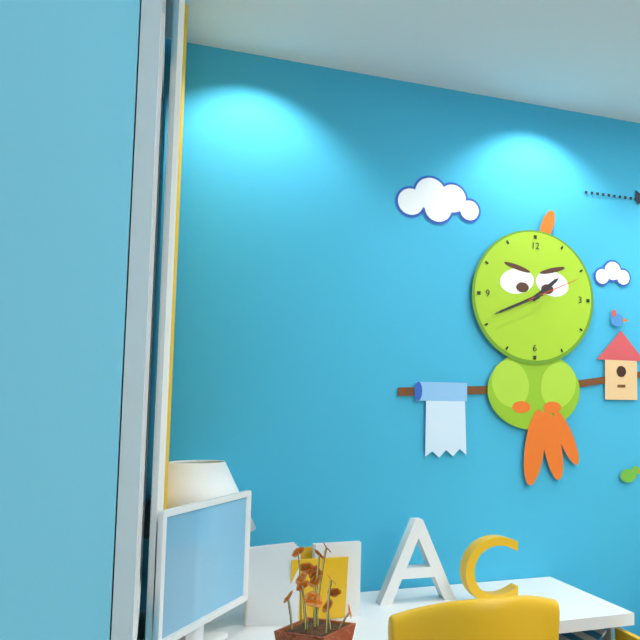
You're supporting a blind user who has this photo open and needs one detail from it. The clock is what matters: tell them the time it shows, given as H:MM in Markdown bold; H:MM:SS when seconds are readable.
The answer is **1:41:11**
